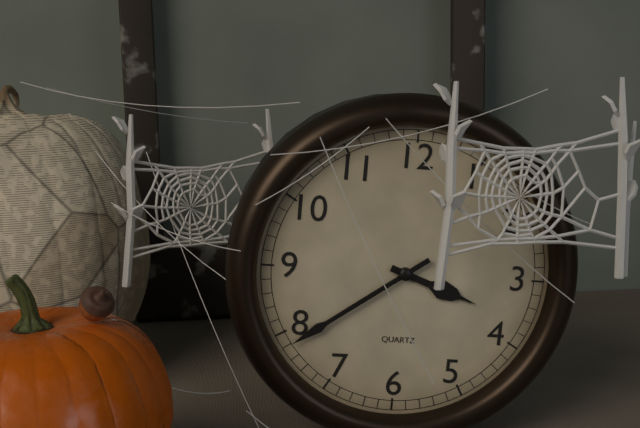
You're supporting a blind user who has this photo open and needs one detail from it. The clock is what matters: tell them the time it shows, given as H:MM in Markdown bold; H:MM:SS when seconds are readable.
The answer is **3:39**
